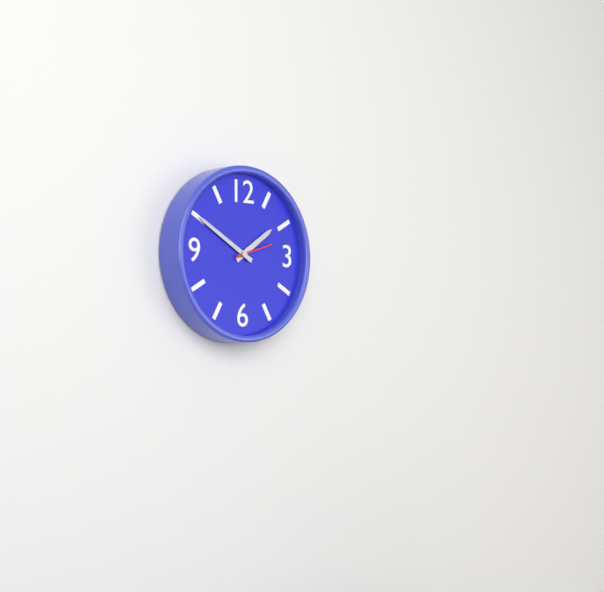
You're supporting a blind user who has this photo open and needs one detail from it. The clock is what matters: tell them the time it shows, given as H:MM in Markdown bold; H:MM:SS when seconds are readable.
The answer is **1:50**
